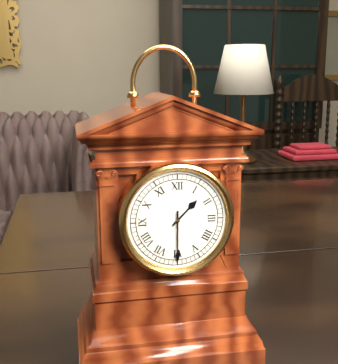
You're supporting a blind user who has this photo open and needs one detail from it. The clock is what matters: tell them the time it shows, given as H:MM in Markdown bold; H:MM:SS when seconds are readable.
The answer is **1:30**
